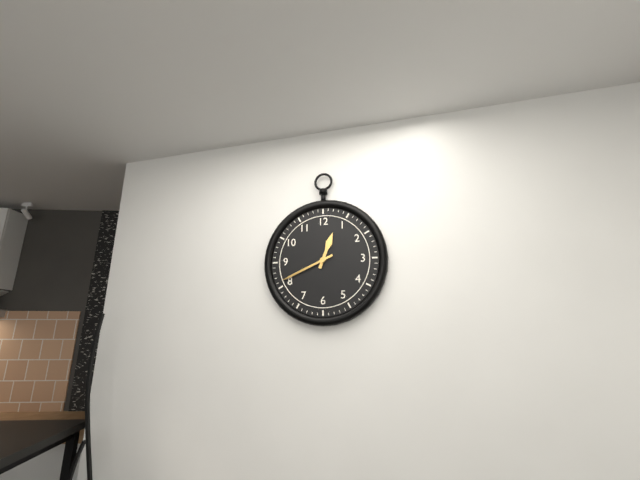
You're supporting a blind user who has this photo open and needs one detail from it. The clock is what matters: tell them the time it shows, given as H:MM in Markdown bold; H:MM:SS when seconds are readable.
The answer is **12:41**
